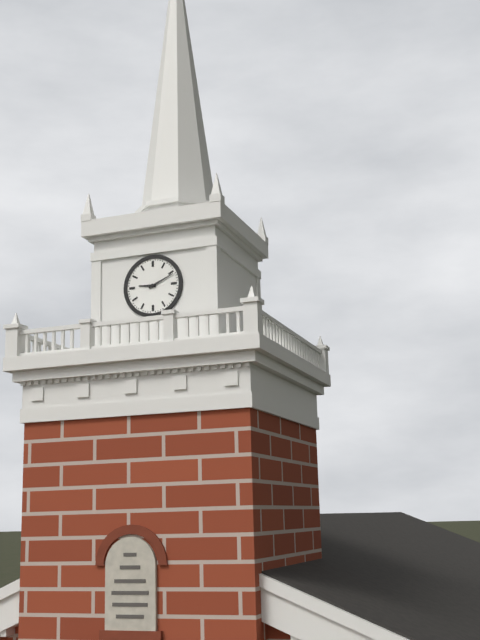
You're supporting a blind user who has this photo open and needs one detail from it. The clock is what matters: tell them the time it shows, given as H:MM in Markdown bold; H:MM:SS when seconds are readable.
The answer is **9:11**
